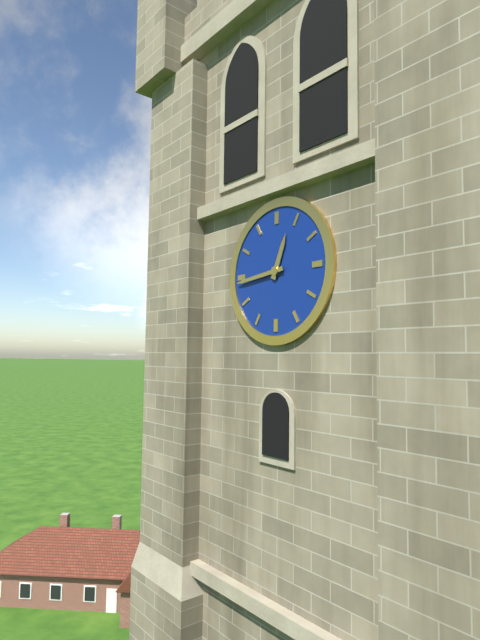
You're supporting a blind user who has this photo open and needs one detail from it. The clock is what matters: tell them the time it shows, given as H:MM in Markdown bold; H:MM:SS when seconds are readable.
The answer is **12:44**
